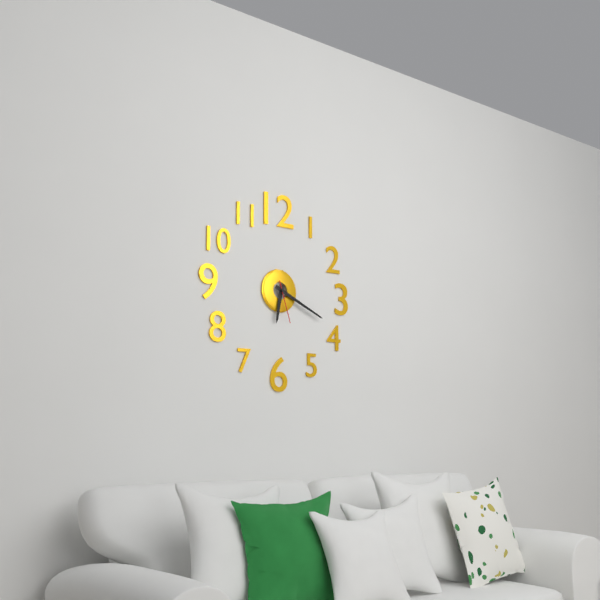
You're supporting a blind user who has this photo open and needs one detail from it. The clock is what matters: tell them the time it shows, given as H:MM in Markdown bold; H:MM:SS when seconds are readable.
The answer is **6:19**
